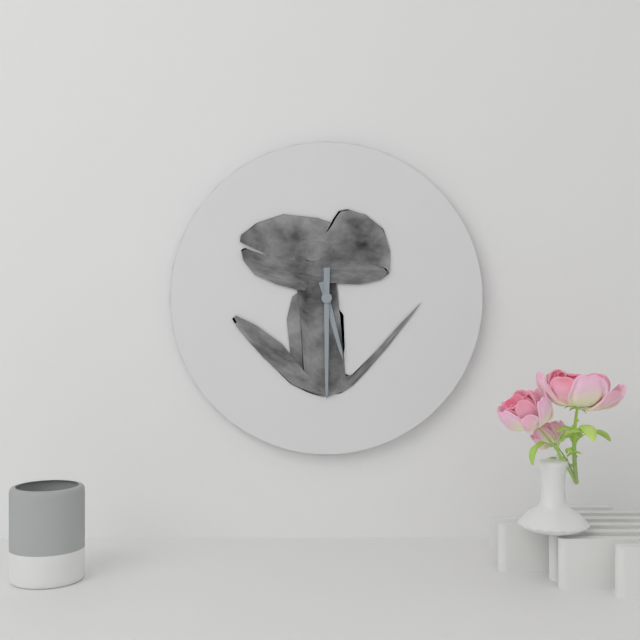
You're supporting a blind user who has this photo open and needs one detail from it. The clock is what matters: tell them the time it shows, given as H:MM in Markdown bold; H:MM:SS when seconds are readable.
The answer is **5:30**
